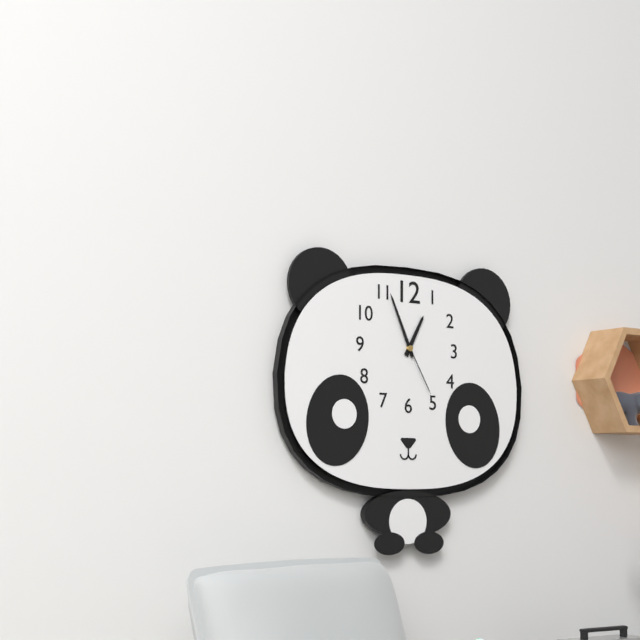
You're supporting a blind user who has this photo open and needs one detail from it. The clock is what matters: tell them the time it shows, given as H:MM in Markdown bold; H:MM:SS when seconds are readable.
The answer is **12:56:25**
